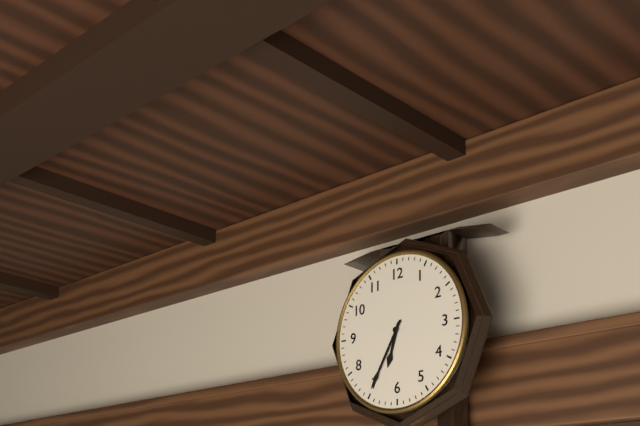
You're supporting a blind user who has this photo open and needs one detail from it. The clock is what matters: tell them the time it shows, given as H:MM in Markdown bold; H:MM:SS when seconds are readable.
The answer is **6:35**
